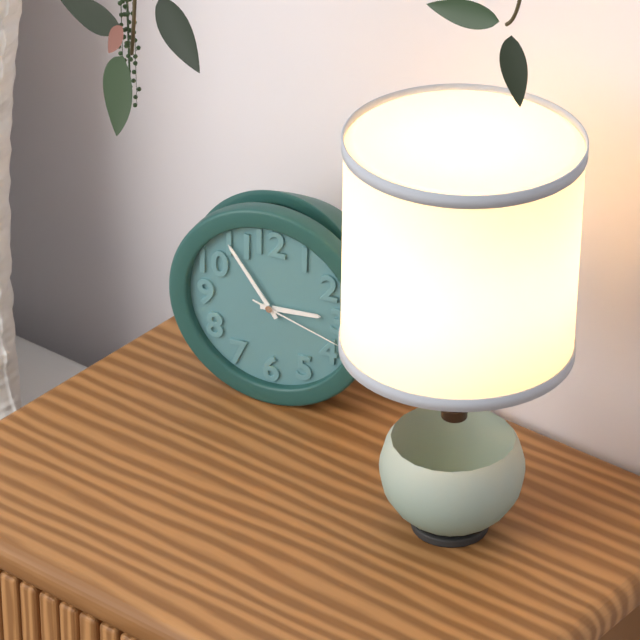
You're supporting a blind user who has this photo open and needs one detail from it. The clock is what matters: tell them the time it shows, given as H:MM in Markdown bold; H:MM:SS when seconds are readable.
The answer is **2:54:18**
